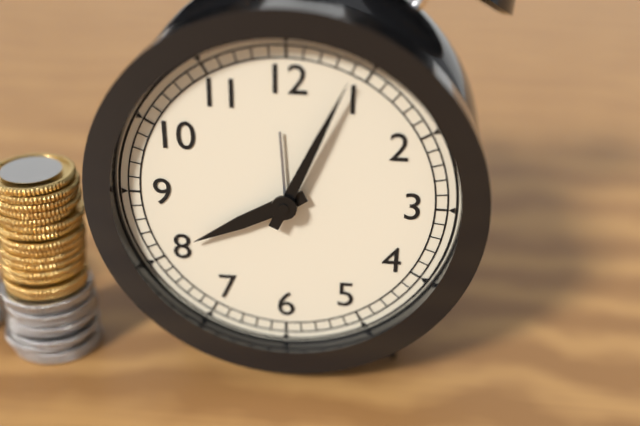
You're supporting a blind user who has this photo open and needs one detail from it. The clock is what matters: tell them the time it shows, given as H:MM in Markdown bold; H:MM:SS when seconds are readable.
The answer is **8:04**
